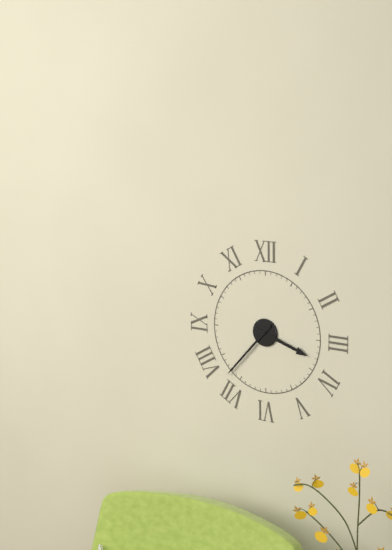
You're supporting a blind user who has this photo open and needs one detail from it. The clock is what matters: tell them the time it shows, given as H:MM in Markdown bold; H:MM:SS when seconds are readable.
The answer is **3:37**
